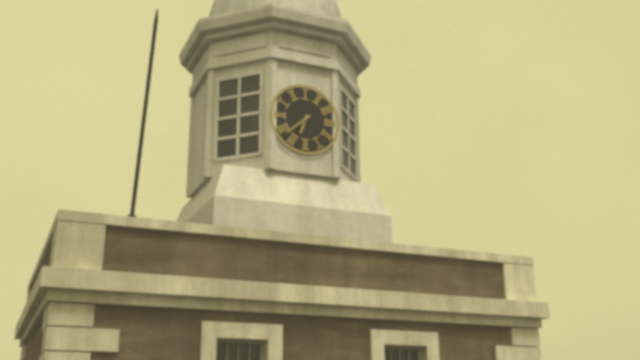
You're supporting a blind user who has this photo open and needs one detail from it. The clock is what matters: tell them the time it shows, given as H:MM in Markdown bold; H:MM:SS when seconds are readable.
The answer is **6:38**
